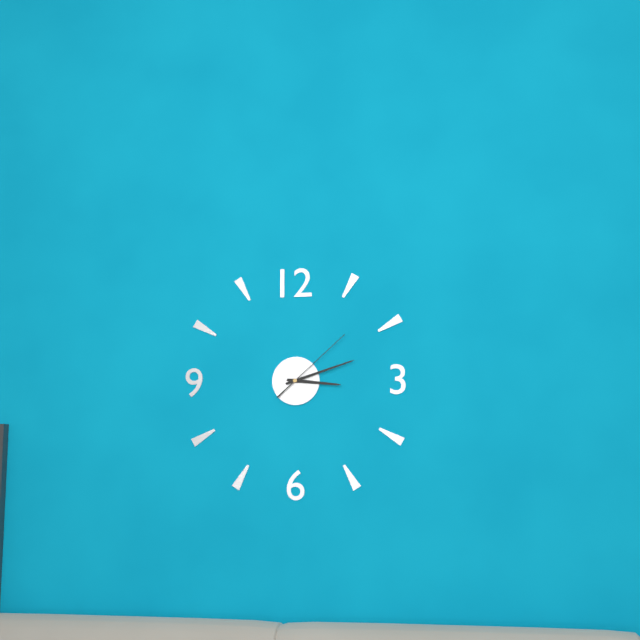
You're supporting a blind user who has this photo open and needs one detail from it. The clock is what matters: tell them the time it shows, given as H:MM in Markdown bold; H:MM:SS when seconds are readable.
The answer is **3:12:08**
